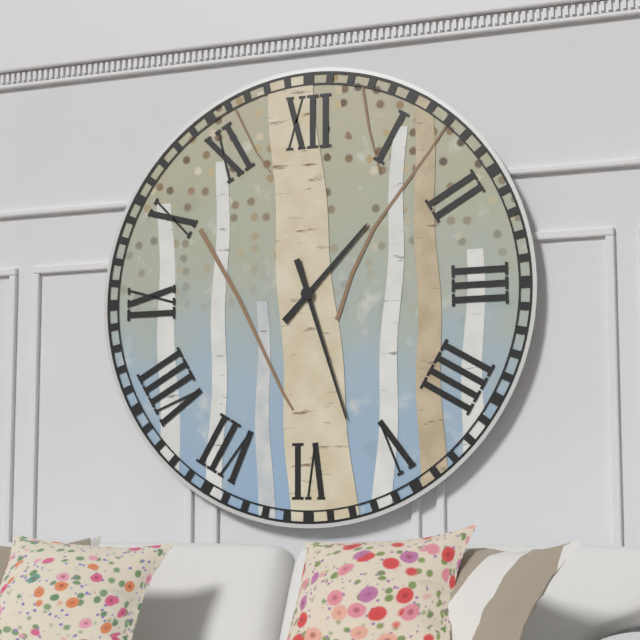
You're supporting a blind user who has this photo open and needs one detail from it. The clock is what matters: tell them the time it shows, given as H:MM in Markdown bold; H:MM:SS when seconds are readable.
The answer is **1:27**
